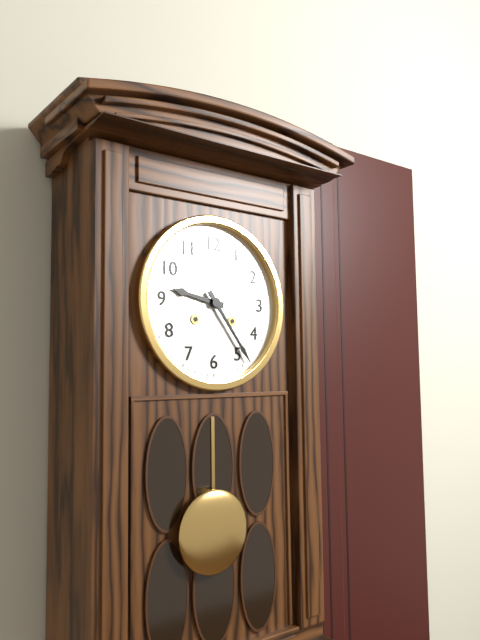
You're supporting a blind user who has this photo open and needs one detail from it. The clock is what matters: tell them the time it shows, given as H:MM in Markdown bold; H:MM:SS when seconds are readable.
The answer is **9:24**
